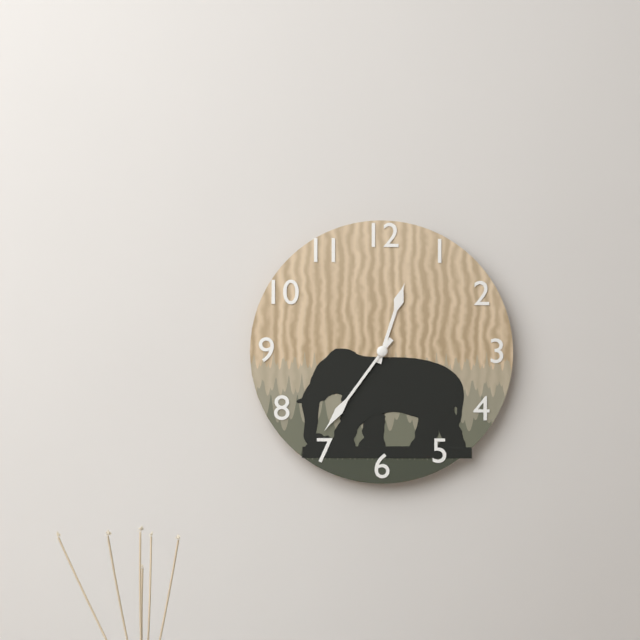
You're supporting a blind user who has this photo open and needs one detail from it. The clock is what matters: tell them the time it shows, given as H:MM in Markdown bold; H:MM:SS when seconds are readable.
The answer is **12:36**
